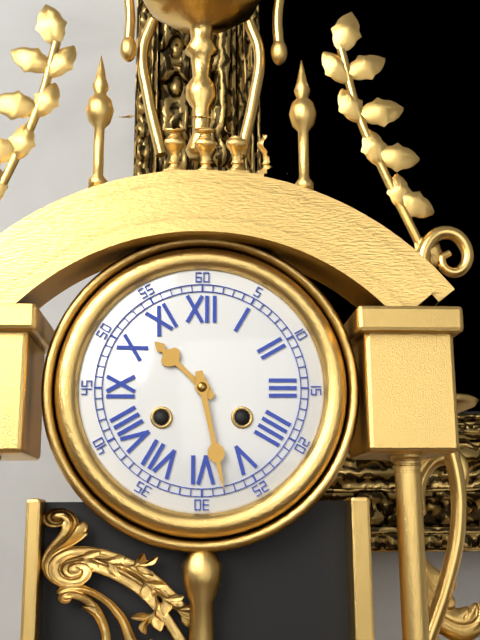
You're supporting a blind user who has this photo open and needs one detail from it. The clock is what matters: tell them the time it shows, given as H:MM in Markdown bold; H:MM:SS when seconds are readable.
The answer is **10:28**
